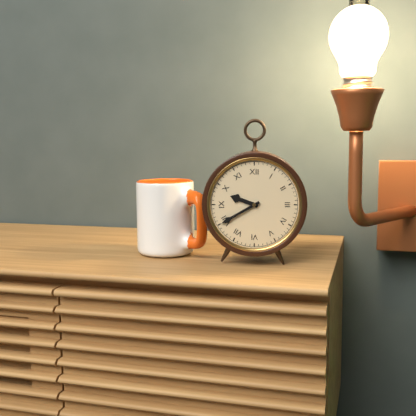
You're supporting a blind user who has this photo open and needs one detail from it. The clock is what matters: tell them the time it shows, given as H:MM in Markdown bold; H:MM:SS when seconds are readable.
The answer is **9:40**
